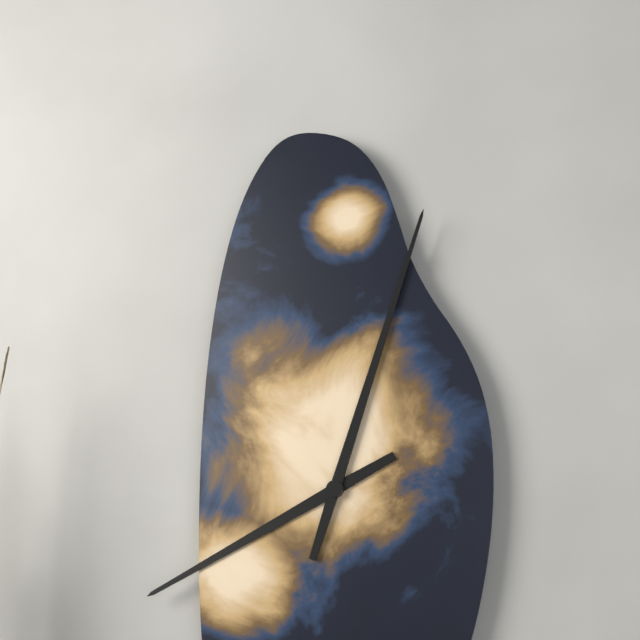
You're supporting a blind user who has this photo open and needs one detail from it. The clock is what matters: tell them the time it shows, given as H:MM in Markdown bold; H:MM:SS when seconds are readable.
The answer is **8:03**
